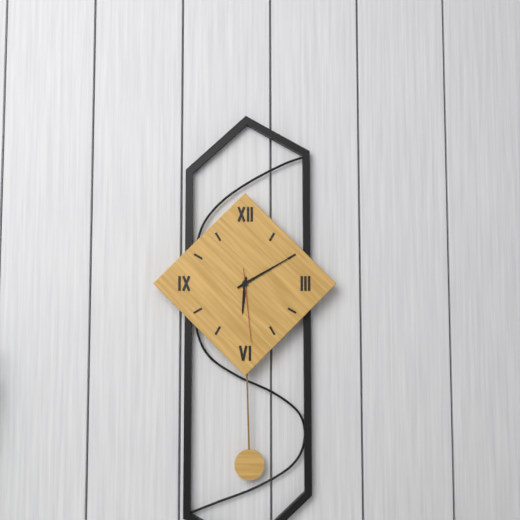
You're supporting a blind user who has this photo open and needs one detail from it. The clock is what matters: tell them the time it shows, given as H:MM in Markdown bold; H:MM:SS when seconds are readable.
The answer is **6:10:29**
